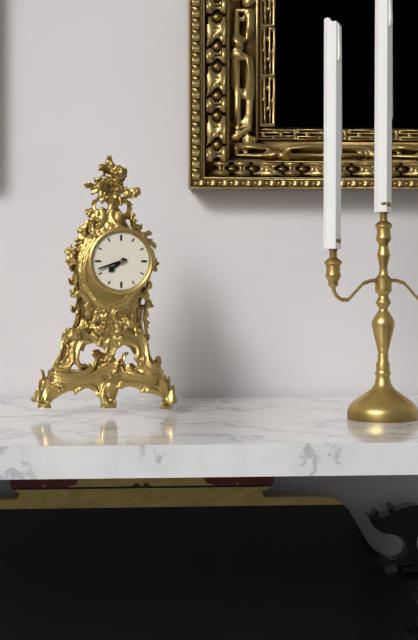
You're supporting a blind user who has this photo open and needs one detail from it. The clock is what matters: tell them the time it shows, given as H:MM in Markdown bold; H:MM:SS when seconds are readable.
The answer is **7:42**
